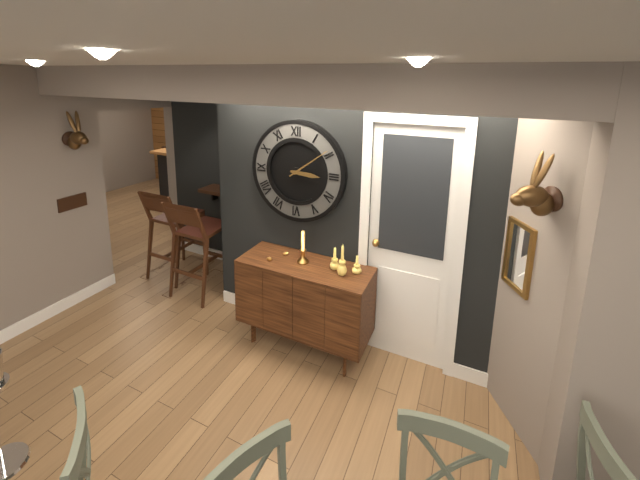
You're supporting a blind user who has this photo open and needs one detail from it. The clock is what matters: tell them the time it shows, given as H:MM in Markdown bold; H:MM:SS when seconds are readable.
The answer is **3:09**
